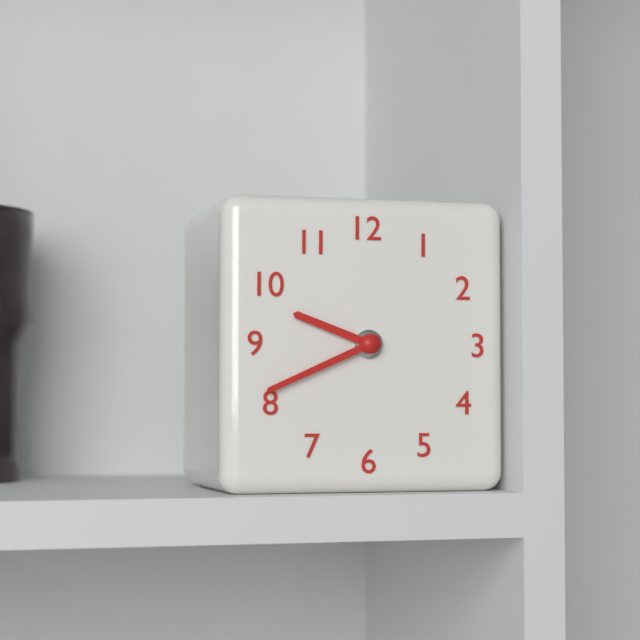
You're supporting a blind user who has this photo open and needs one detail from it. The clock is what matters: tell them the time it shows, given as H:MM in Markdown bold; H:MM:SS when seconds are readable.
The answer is **9:41**
